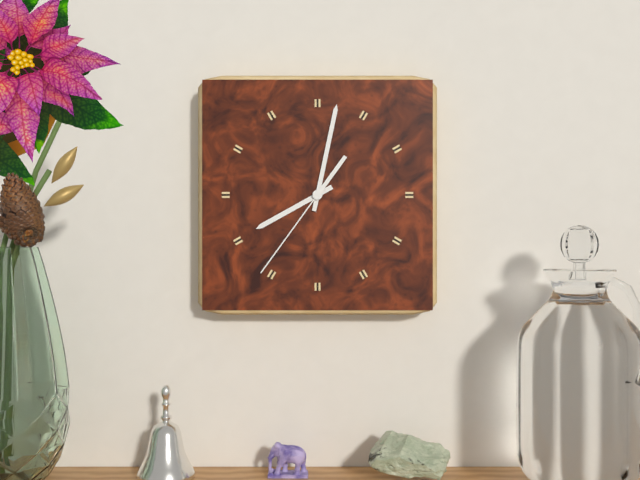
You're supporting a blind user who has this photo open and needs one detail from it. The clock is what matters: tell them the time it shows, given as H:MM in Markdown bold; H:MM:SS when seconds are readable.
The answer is **8:02:36**
